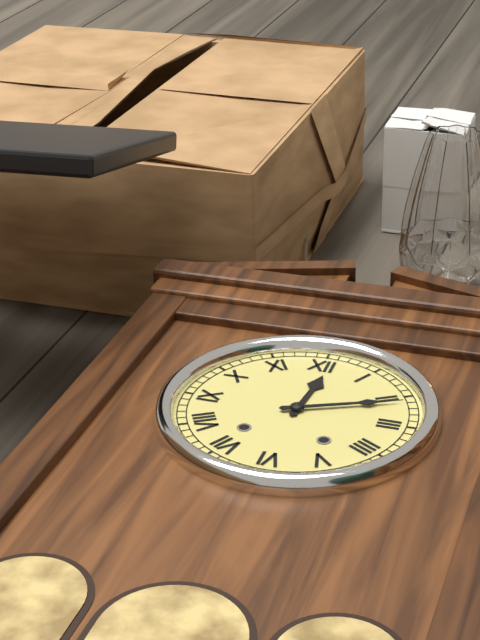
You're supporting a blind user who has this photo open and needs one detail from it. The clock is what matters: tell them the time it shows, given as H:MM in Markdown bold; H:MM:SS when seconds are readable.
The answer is **12:11**
